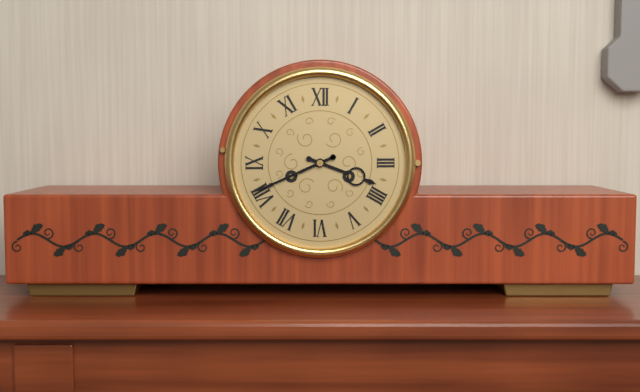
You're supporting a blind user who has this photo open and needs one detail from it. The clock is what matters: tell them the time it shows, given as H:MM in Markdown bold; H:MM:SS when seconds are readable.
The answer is **3:41**
